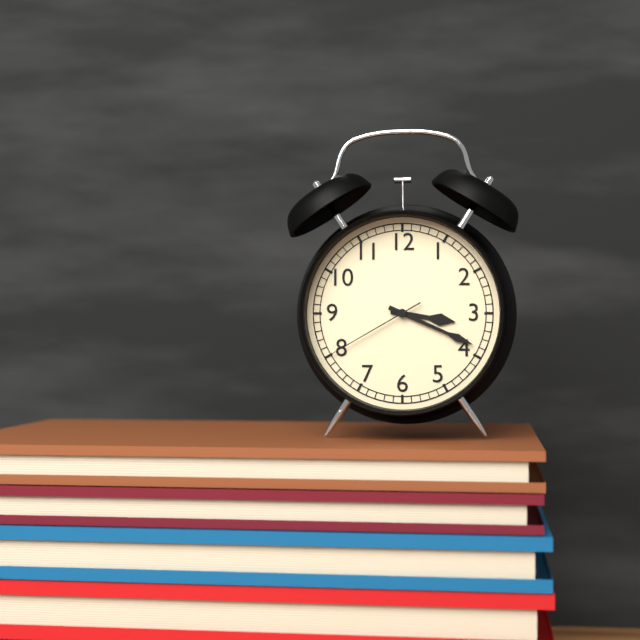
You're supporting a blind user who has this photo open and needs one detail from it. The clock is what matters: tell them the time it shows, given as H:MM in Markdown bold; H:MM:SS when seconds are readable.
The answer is **3:19:40**
